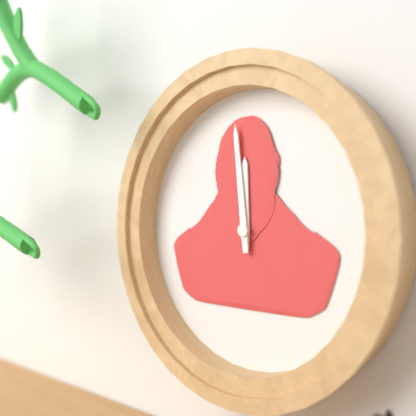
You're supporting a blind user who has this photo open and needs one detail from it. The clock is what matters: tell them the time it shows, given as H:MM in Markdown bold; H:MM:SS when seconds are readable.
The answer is **11:59**
